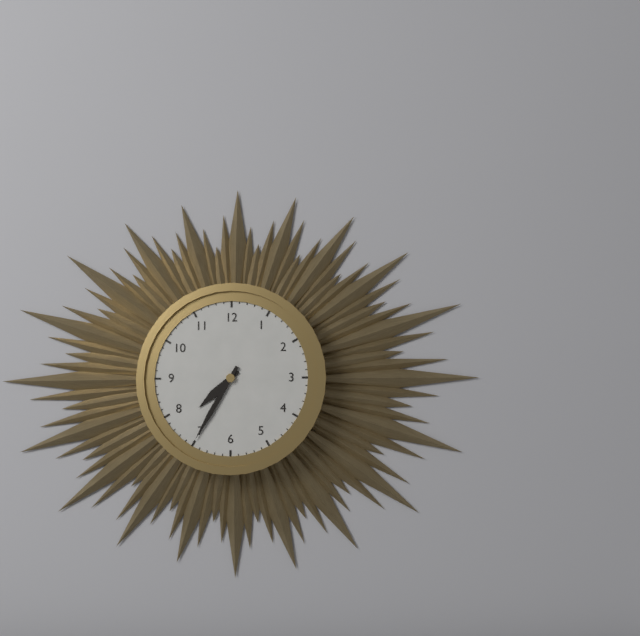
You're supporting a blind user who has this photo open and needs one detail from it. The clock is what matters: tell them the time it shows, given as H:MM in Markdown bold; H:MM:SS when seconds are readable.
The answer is **7:35**
